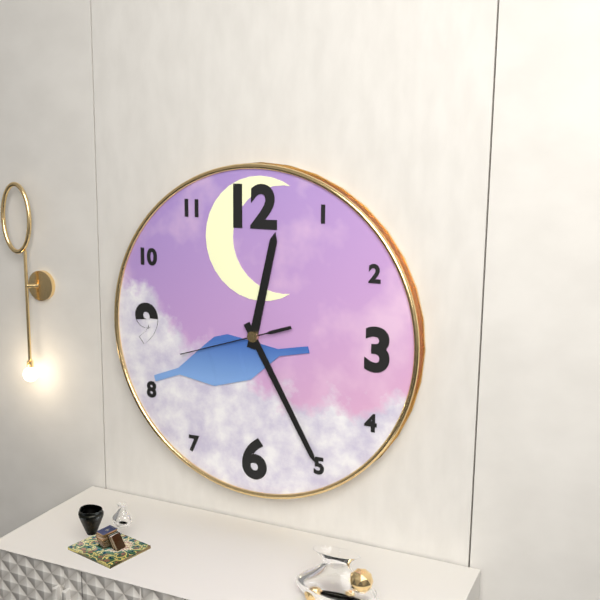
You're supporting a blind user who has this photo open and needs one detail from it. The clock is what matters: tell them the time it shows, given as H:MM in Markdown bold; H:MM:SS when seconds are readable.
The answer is **12:25:42**
